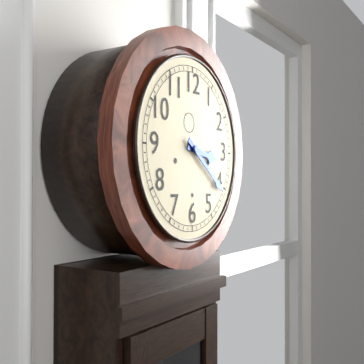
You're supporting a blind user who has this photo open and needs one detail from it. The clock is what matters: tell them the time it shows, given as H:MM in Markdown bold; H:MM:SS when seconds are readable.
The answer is **3:21**
